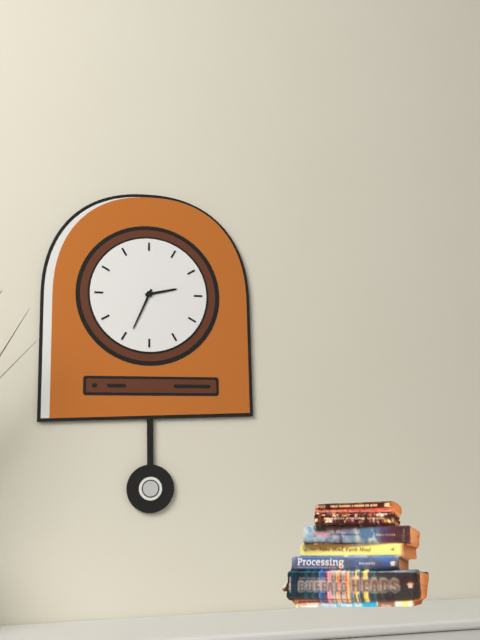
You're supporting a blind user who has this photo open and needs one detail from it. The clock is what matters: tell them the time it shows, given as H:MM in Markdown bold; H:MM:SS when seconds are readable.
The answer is **2:34**
